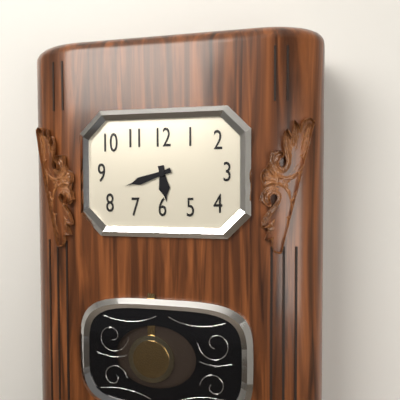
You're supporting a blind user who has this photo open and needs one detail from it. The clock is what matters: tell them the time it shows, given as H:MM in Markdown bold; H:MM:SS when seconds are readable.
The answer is **5:42**
